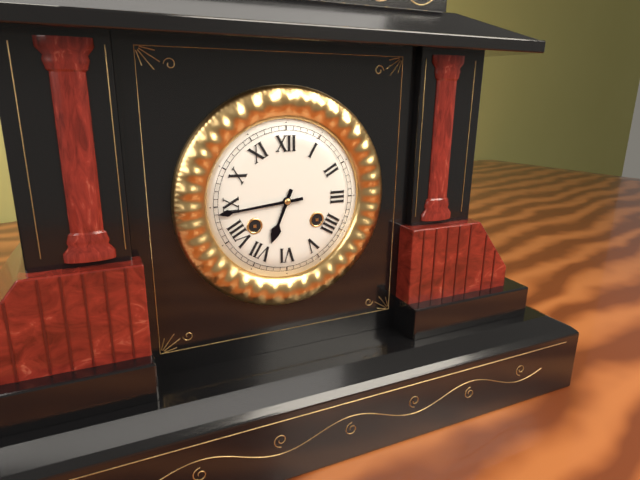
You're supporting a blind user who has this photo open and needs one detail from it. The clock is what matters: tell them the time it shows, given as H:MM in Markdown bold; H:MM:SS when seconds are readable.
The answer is **6:44**
